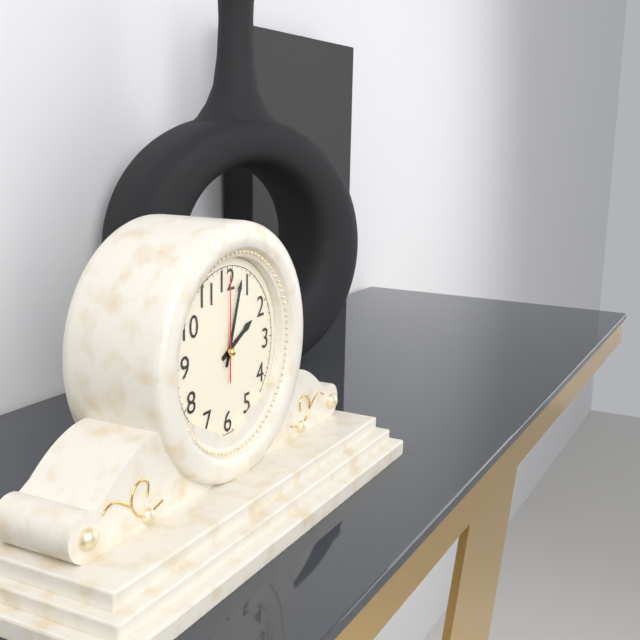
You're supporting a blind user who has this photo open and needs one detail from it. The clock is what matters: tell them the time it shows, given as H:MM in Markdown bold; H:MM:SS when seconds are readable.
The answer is **2:03:00**
